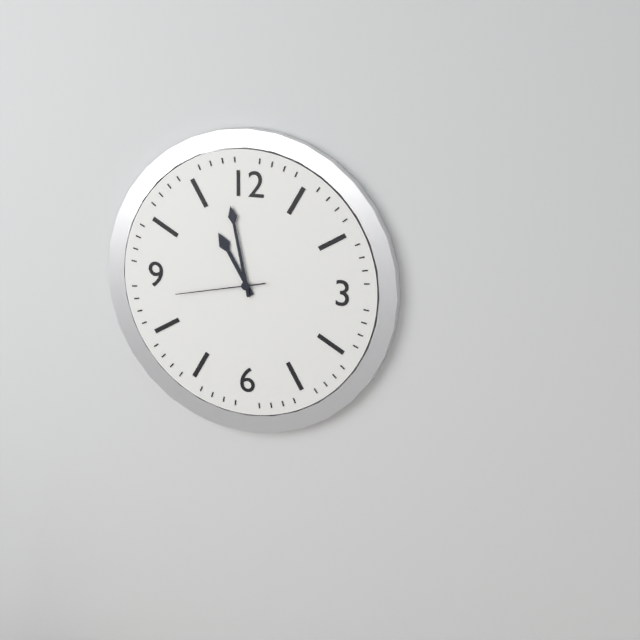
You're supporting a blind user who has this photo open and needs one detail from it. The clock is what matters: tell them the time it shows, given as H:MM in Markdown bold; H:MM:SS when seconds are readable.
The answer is **10:58:43**
